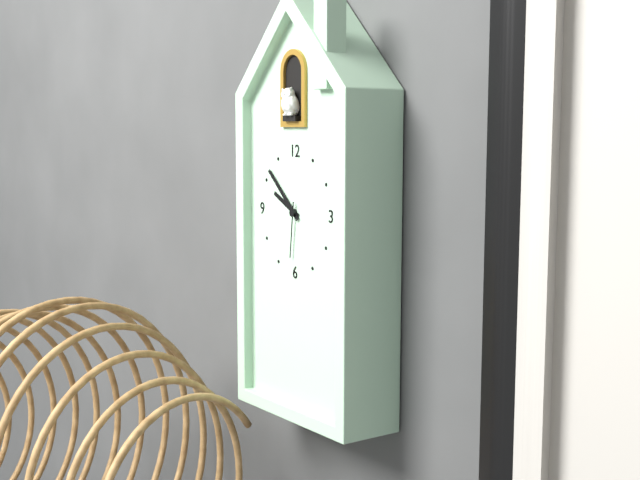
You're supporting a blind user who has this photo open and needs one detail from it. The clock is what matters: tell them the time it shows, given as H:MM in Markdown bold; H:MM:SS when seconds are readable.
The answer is **9:52:31**
